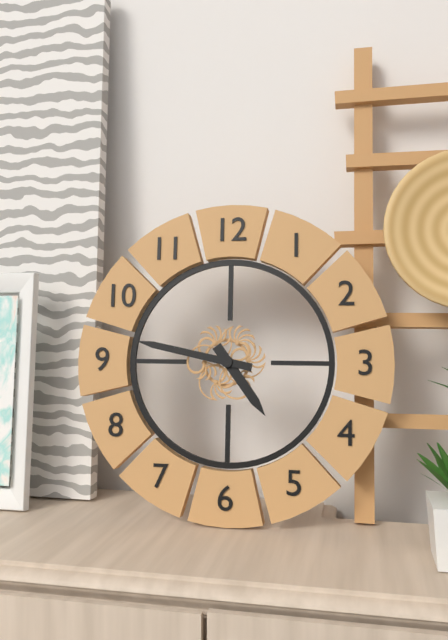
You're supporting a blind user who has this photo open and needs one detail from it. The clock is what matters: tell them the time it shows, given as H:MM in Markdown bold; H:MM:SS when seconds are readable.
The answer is **4:47**
